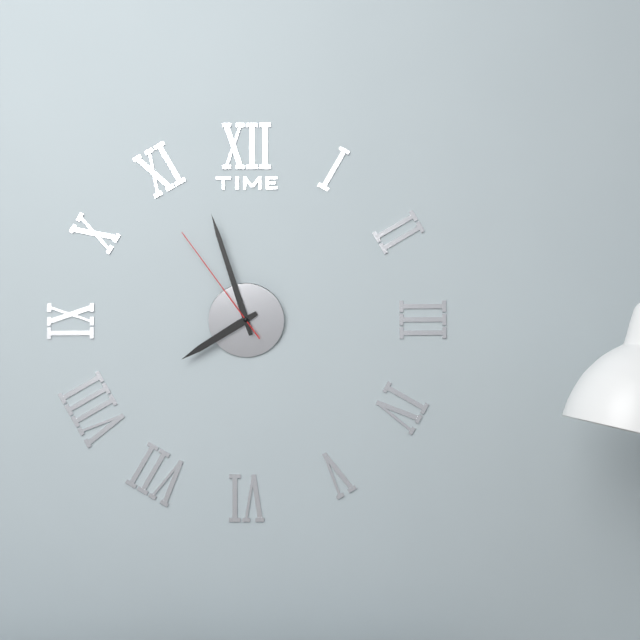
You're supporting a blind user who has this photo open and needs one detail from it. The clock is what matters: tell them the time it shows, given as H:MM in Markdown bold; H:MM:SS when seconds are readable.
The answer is **7:57:54**
